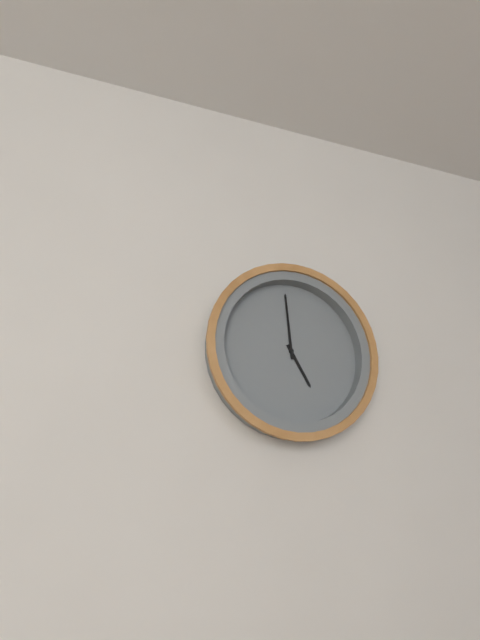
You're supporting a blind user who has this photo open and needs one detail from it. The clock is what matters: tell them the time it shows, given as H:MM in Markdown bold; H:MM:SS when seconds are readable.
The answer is **4:59**
